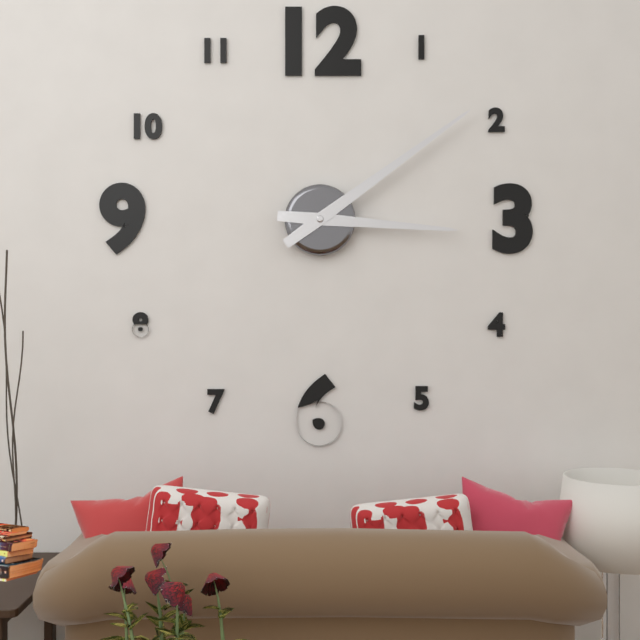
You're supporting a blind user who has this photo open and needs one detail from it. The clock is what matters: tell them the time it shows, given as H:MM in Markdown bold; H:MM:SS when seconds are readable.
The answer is **3:09**
